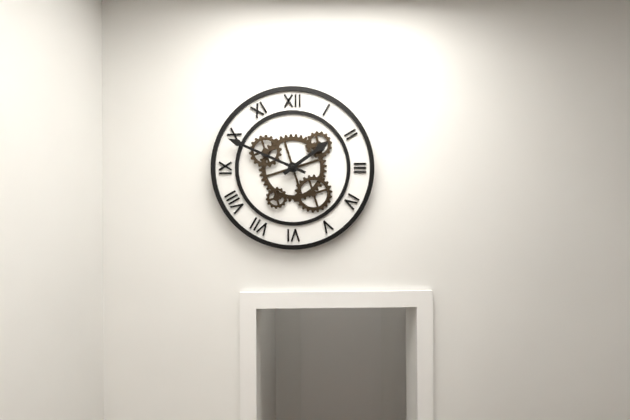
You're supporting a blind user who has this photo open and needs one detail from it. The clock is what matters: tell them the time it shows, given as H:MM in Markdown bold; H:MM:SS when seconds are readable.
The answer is **1:49**
